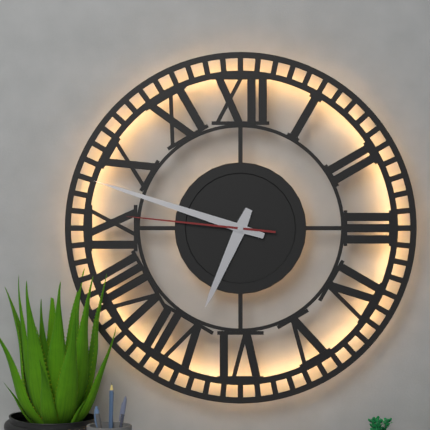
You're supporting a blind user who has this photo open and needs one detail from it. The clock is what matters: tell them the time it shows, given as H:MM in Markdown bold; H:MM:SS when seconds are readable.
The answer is **6:48:46**
